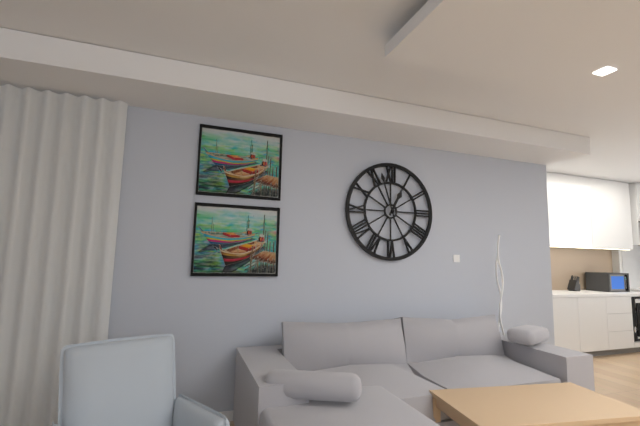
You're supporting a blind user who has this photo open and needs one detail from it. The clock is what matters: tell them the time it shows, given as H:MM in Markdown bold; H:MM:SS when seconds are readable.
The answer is **12:57**
